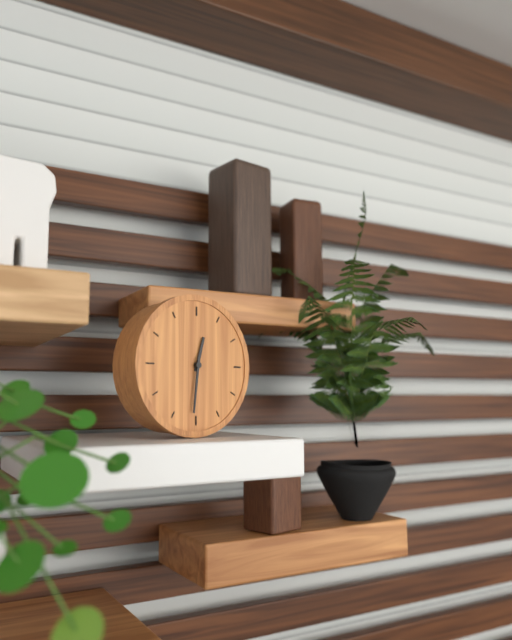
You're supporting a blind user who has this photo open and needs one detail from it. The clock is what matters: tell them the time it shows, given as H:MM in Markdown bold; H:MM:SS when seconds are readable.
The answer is **12:31**
